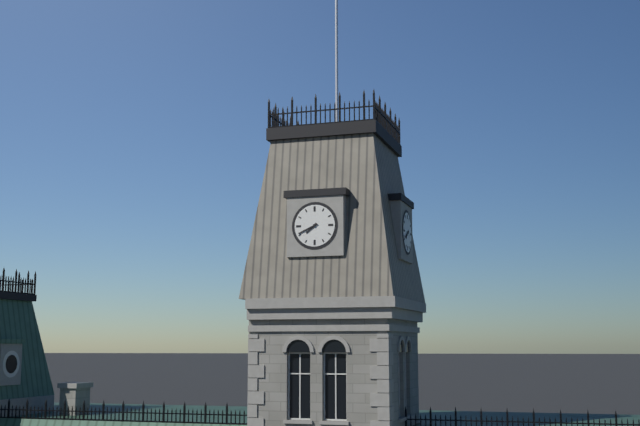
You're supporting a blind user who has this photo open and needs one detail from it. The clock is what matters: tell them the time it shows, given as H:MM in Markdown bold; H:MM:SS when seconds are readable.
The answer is **7:41**
